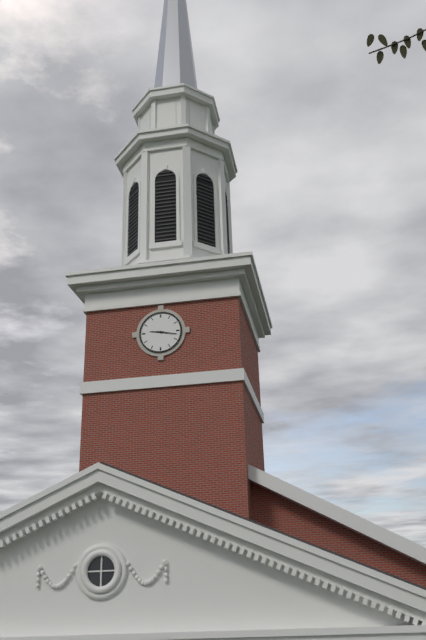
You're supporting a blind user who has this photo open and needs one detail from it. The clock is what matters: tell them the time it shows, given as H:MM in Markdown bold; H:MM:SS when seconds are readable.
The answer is **9:17**
